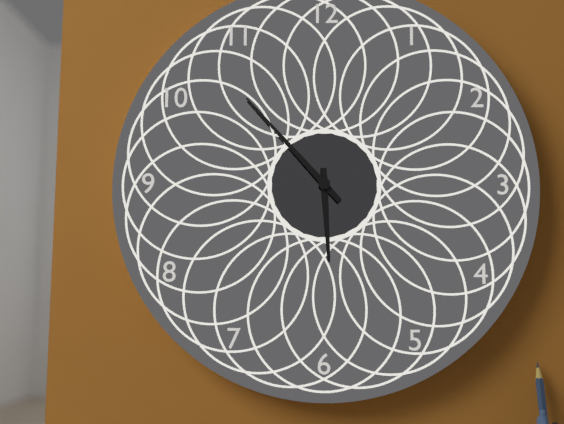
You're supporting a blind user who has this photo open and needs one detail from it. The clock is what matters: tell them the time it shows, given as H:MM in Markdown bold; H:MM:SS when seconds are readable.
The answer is **5:53**
